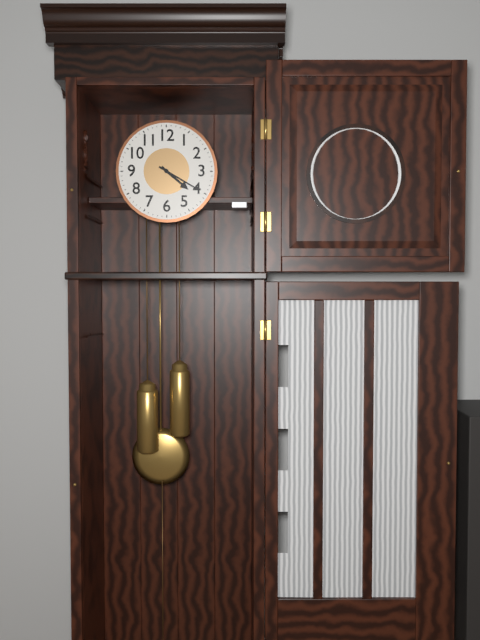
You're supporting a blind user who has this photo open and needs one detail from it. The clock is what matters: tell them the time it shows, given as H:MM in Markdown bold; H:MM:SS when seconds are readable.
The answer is **4:20**
